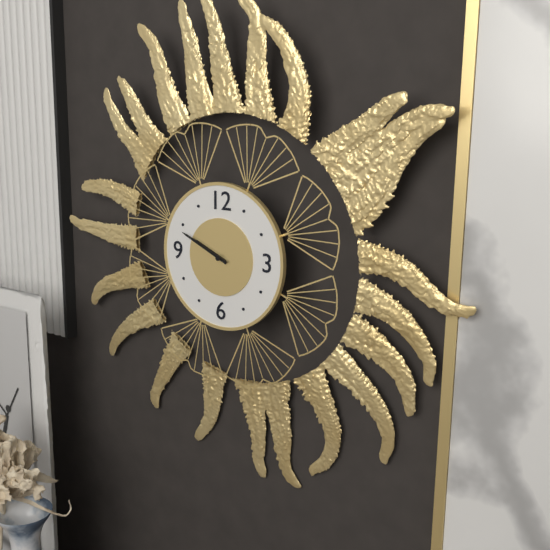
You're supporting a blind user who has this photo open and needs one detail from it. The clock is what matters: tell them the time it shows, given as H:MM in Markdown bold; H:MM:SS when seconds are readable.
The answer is **9:49**
